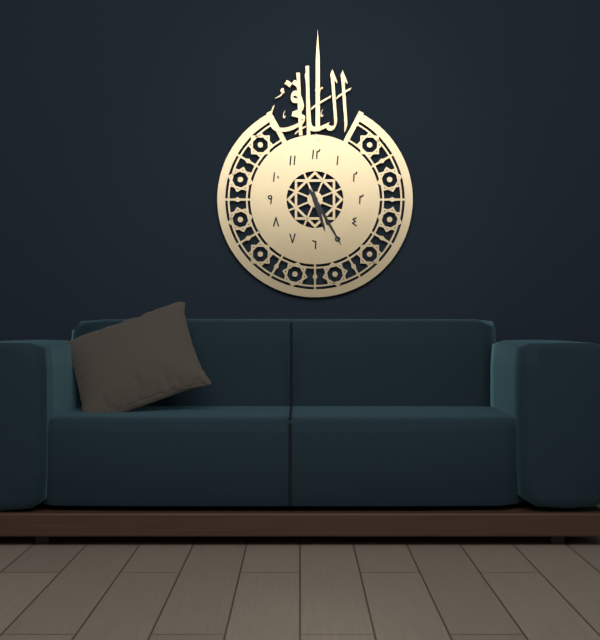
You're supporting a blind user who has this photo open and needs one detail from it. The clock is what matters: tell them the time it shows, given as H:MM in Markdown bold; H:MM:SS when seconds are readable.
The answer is **5:25**
